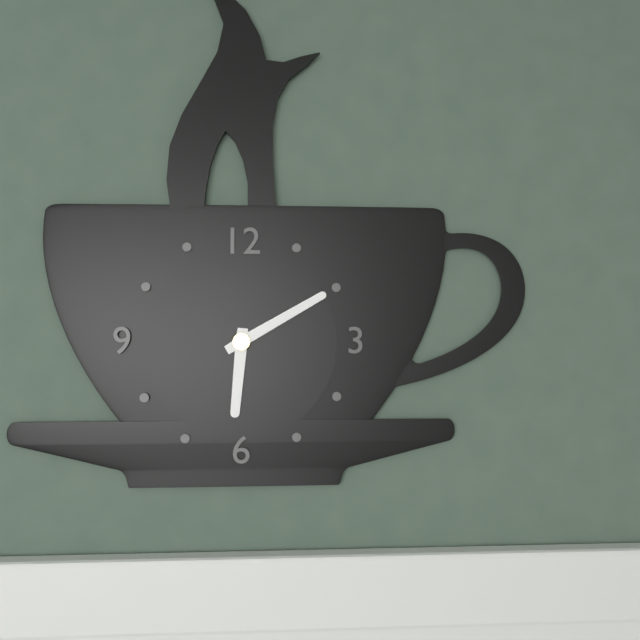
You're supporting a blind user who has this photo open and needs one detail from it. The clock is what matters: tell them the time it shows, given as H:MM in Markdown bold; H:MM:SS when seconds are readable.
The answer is **6:10**
